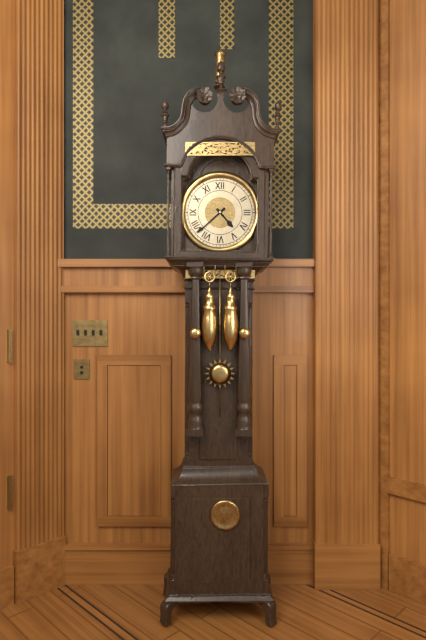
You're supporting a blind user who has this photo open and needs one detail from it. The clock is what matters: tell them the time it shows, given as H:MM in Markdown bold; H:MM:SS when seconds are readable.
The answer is **4:38**
